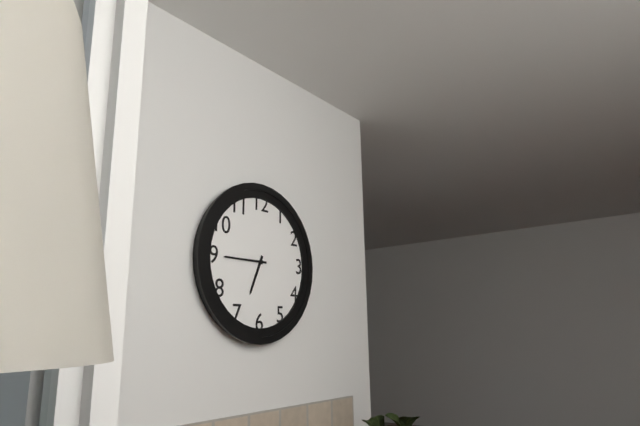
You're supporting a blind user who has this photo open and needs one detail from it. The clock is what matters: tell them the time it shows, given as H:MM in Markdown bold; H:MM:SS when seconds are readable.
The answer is **6:45**
